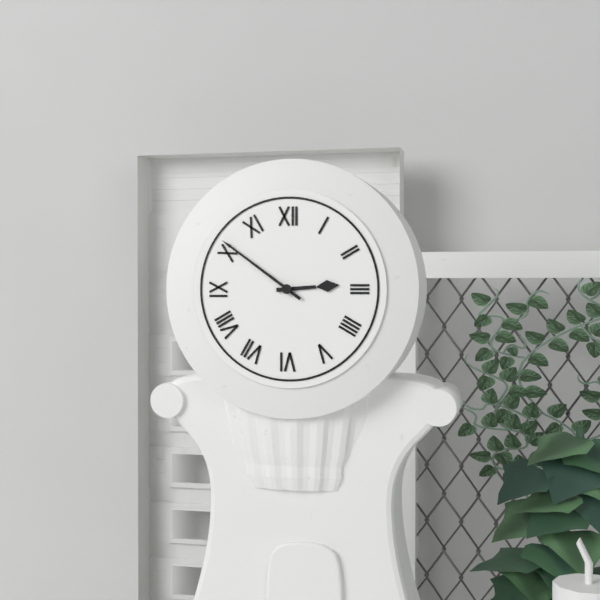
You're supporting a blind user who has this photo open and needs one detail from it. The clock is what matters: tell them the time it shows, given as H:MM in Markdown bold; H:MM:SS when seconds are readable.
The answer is **2:51**
